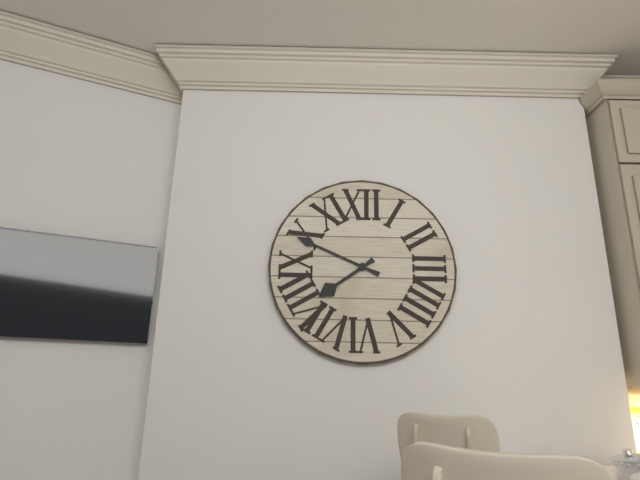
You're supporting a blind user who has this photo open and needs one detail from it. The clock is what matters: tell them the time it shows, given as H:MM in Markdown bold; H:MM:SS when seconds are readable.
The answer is **7:49**
